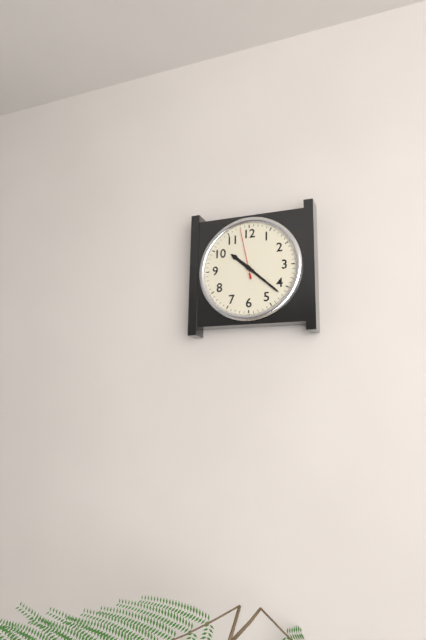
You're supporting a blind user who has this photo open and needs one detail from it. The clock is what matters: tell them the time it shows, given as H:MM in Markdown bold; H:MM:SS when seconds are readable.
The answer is **10:22**
